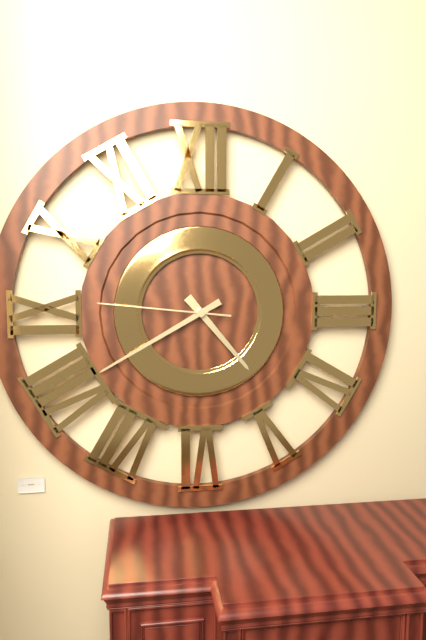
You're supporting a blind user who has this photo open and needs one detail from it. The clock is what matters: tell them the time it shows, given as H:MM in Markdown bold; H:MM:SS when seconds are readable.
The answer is **4:40:46**
